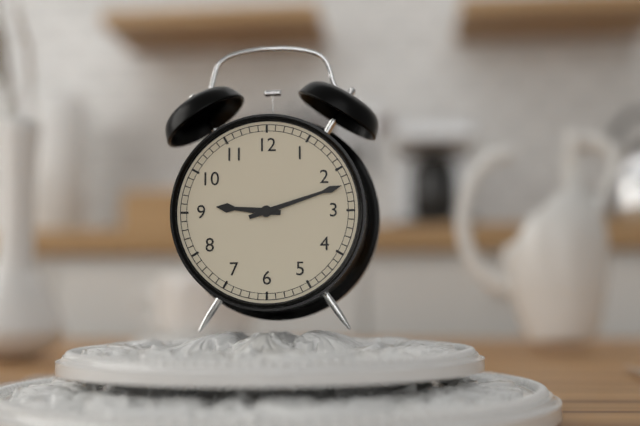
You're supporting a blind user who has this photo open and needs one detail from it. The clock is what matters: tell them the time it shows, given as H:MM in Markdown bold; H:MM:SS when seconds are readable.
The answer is **9:12**
